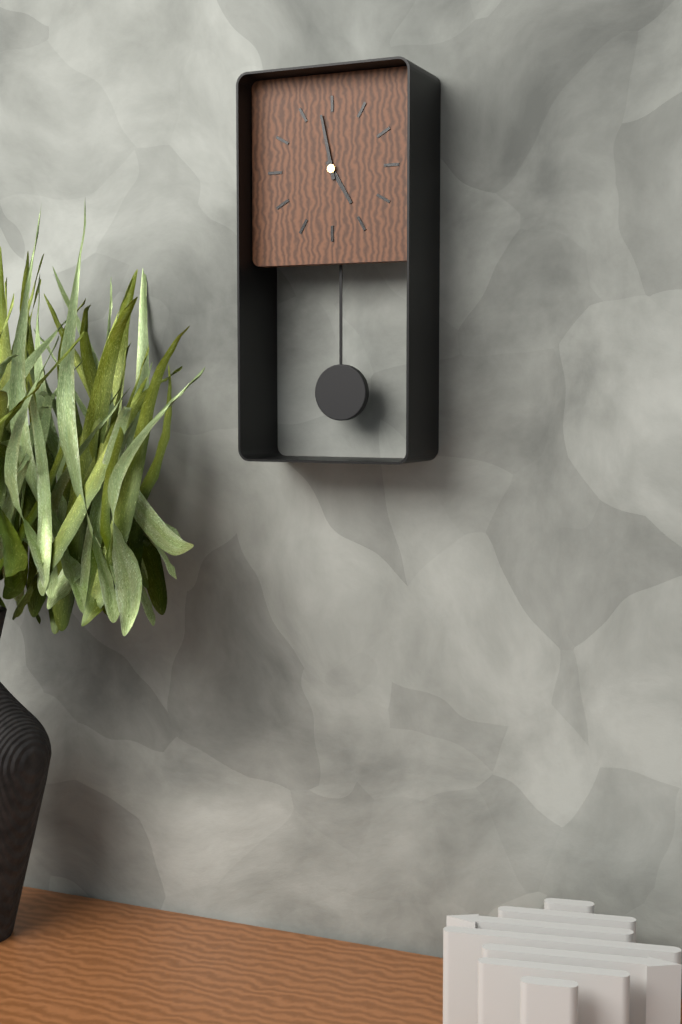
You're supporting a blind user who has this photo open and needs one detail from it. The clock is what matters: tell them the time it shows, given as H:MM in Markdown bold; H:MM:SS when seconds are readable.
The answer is **4:58**
